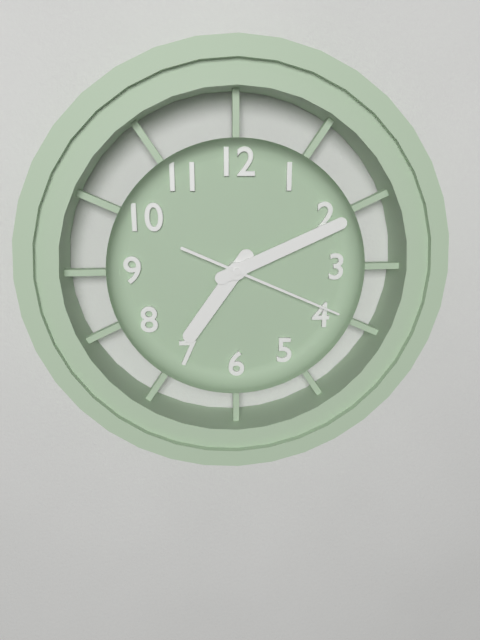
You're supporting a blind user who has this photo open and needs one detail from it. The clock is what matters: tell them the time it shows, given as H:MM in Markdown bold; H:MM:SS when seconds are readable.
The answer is **7:11:19**
